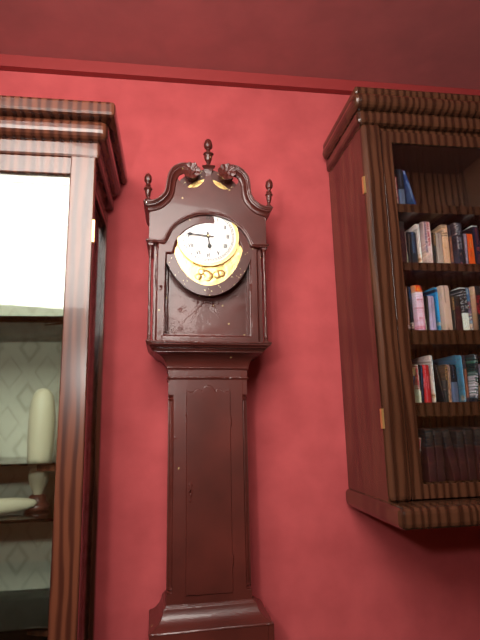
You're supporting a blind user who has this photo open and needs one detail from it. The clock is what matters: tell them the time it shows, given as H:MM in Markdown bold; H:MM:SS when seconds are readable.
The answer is **5:46**
